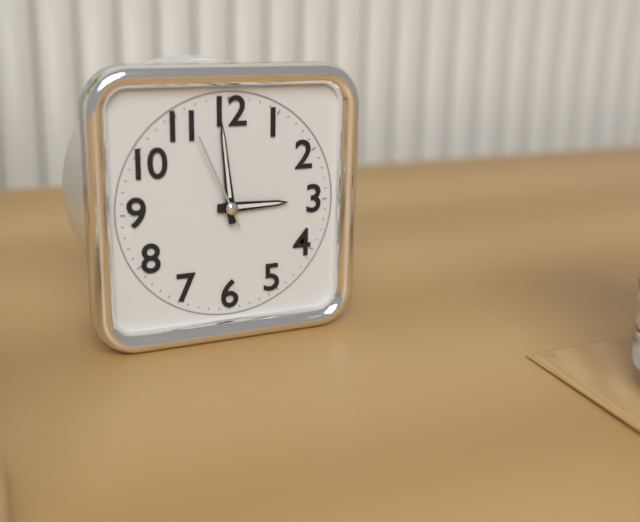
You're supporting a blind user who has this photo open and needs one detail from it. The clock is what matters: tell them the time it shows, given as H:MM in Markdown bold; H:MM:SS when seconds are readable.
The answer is **2:59:56**
